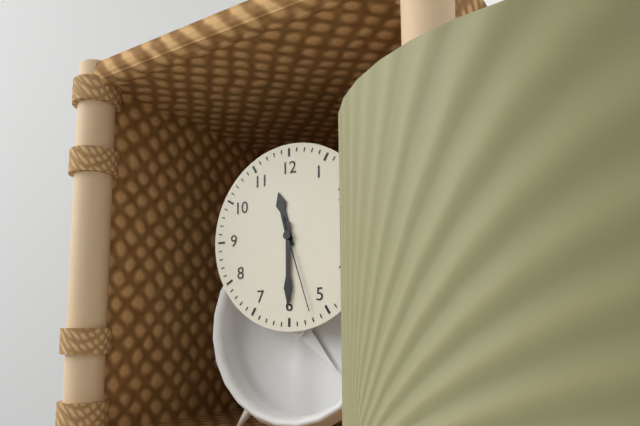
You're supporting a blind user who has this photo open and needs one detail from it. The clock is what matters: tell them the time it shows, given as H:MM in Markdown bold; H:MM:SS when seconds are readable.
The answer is **11:30:27**
